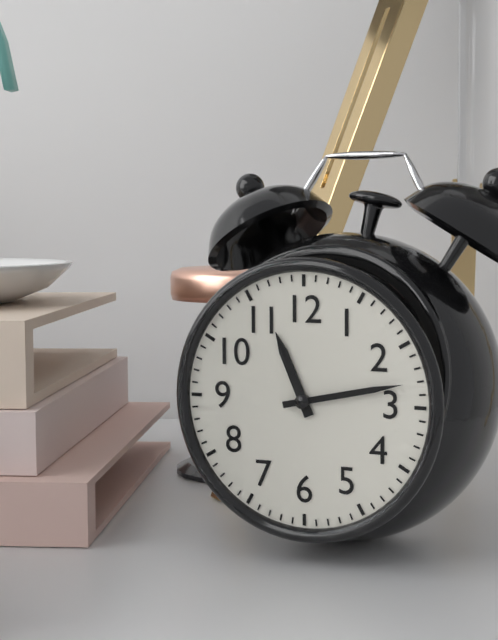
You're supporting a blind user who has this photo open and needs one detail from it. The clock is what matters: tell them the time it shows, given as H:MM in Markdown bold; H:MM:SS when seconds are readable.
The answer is **11:13**
